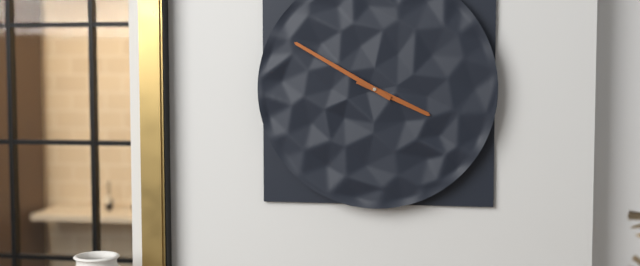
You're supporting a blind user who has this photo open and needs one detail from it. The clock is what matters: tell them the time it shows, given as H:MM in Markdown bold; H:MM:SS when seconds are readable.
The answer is **3:50**
